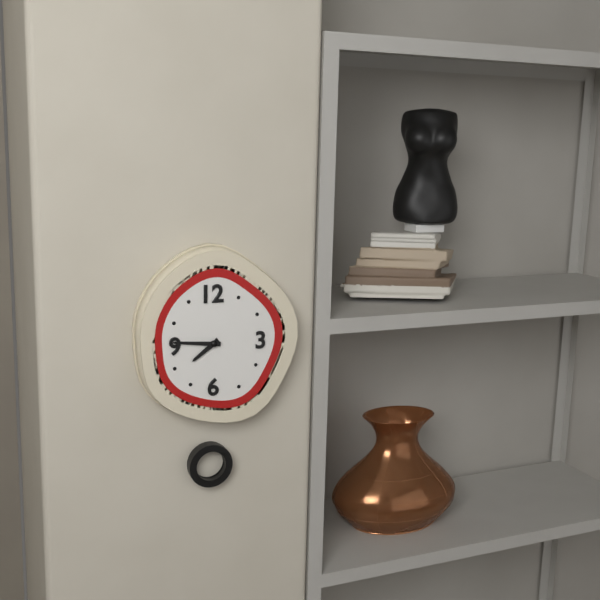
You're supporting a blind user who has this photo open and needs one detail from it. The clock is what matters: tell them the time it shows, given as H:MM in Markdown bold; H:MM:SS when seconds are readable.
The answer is **7:46**
